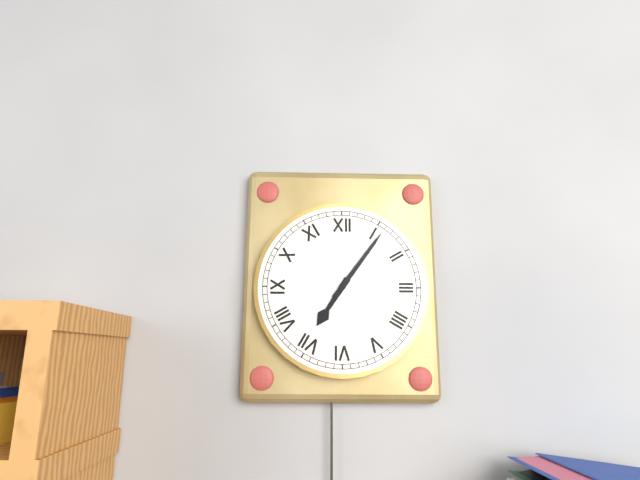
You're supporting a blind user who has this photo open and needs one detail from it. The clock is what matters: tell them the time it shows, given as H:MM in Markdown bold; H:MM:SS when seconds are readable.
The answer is **7:06**
